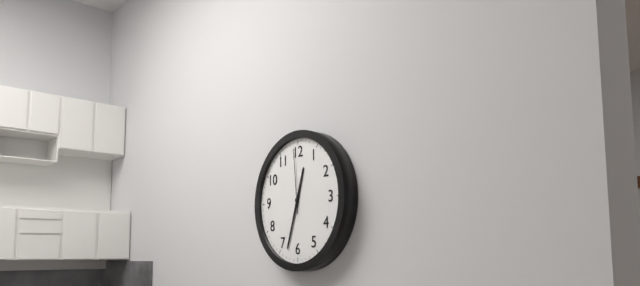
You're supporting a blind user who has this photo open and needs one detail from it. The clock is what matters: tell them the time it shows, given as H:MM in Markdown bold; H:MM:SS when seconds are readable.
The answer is **12:33:59**
